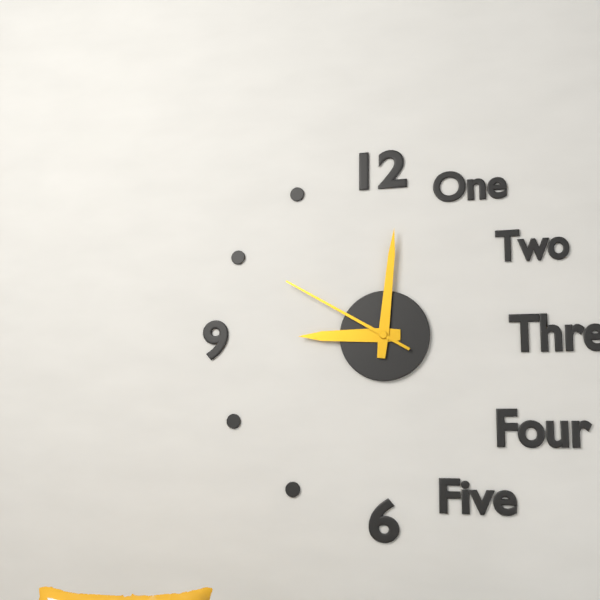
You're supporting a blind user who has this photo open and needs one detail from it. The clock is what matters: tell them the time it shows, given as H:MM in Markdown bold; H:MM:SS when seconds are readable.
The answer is **9:01:50**
